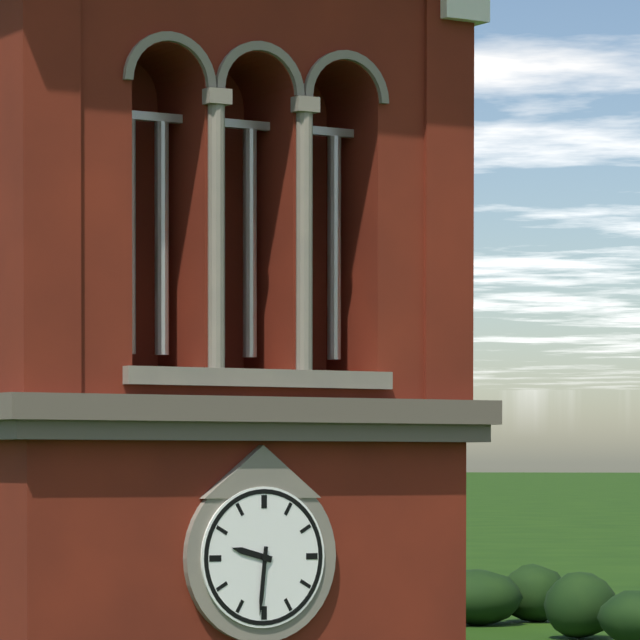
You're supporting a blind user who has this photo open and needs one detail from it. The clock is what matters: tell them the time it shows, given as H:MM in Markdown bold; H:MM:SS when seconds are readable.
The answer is **9:31**
